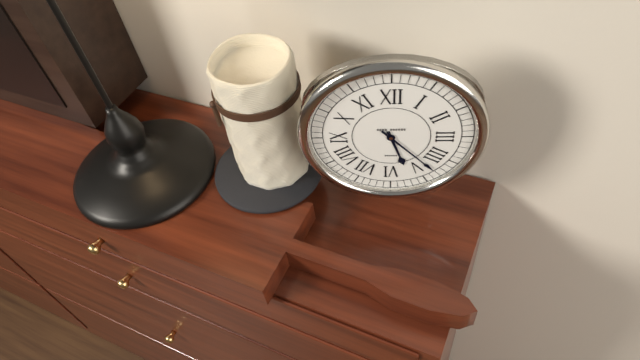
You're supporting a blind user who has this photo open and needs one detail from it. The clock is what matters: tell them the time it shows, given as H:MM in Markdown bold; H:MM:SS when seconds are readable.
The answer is **5:23**
